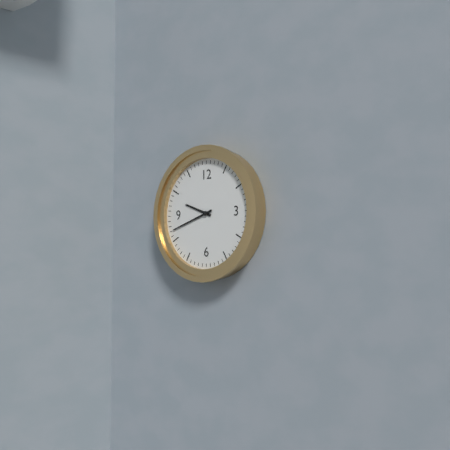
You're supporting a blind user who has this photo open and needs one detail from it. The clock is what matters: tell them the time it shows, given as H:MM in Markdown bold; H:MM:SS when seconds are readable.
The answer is **9:42**
